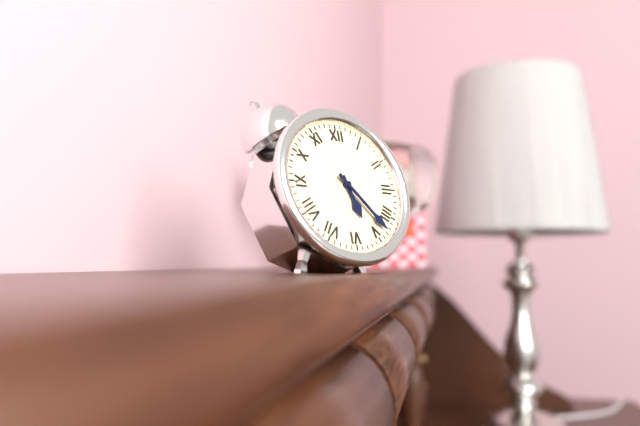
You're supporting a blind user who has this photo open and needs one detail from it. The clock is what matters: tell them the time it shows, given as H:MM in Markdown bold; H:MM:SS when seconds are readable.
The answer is **5:23**
